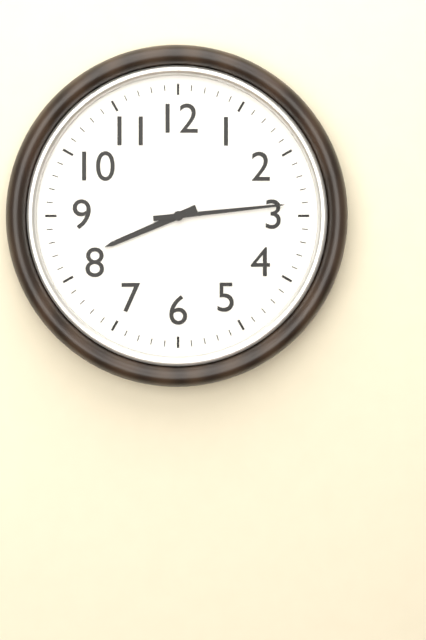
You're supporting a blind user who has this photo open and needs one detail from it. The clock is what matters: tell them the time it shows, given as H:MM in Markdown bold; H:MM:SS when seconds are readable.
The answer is **8:14**
